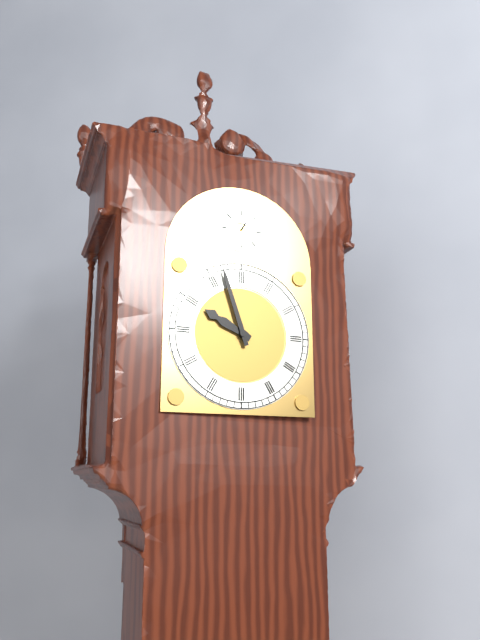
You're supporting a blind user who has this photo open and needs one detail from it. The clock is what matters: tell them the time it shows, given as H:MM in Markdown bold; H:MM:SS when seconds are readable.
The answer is **9:57**
